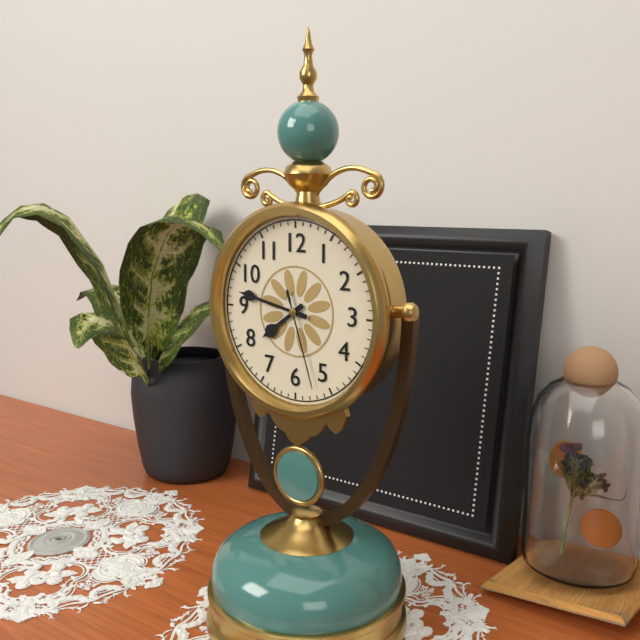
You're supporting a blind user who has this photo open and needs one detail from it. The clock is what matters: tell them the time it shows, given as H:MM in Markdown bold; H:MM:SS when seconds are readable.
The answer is **7:47:27**
